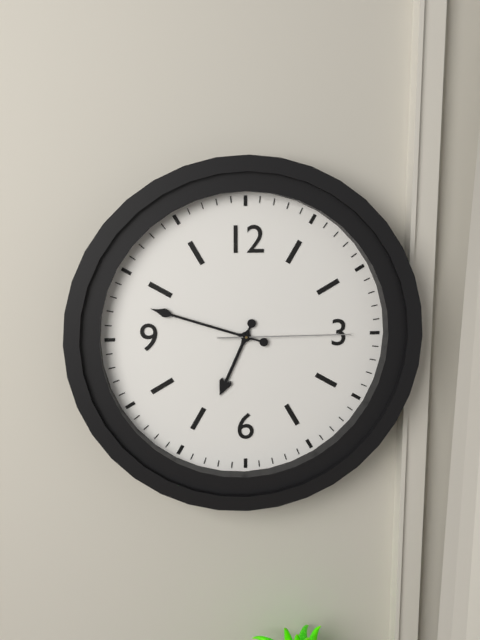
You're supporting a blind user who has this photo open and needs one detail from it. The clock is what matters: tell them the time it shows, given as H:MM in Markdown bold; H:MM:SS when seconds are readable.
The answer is **6:48:15**
